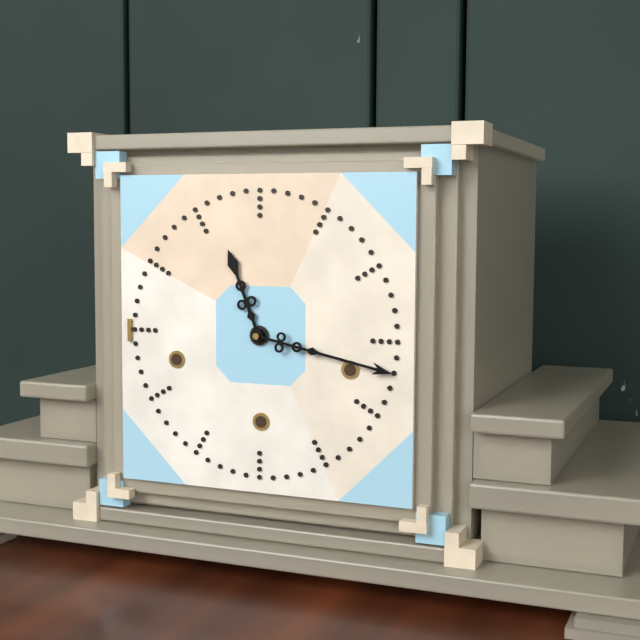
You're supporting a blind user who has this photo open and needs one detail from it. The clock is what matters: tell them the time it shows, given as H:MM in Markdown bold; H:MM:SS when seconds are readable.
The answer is **11:17**
